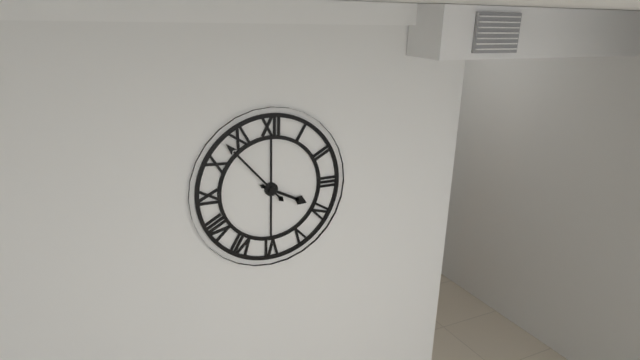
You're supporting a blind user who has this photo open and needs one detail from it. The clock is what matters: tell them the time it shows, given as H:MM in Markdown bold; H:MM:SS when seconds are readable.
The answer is **3:53**
